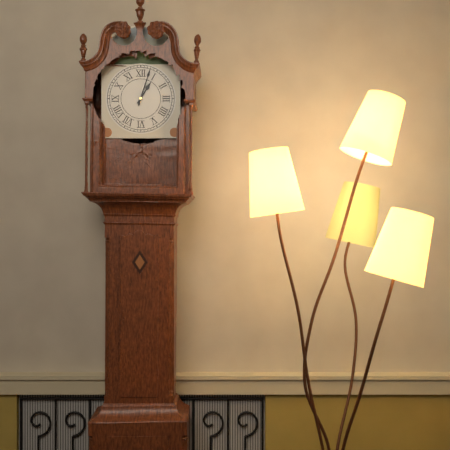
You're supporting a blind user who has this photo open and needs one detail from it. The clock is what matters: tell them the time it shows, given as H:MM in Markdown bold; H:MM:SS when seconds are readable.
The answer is **1:03**
